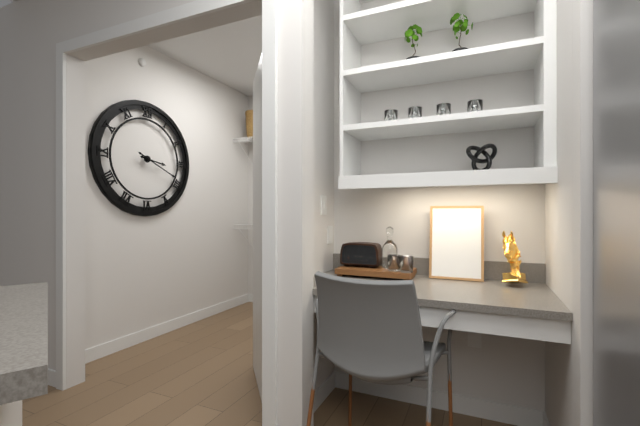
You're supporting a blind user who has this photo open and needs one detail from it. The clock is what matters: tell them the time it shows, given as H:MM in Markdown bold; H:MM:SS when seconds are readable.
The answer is **3:19**
